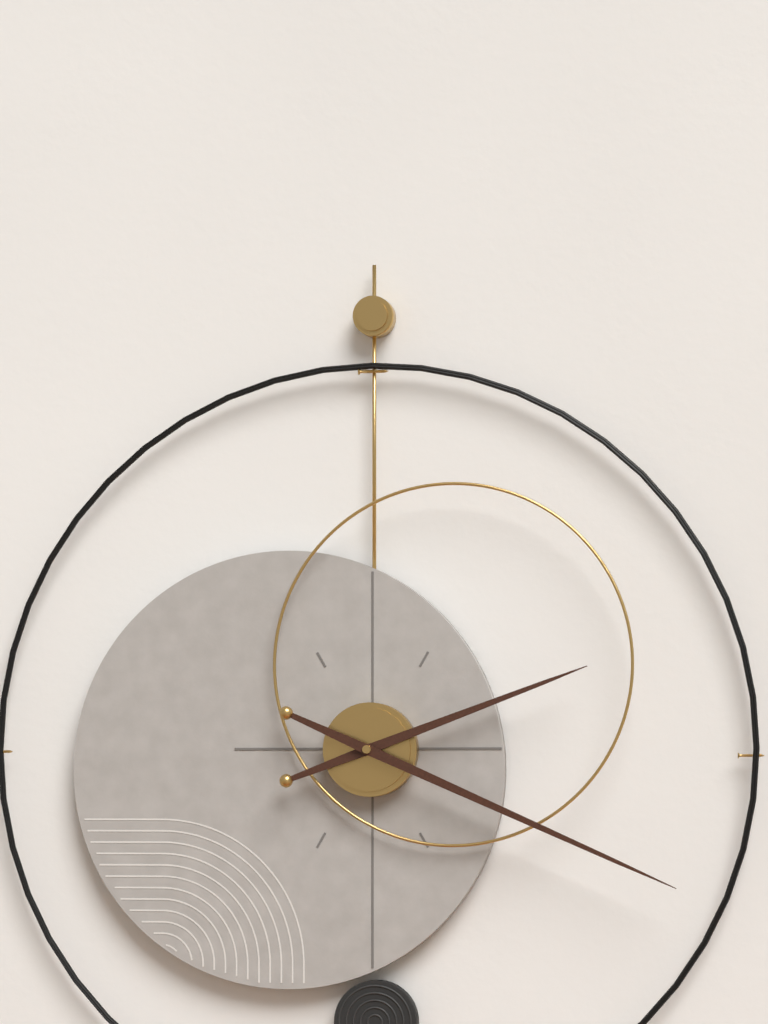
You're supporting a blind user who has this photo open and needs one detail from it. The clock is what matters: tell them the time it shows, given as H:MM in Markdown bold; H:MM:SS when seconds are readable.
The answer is **2:19**
